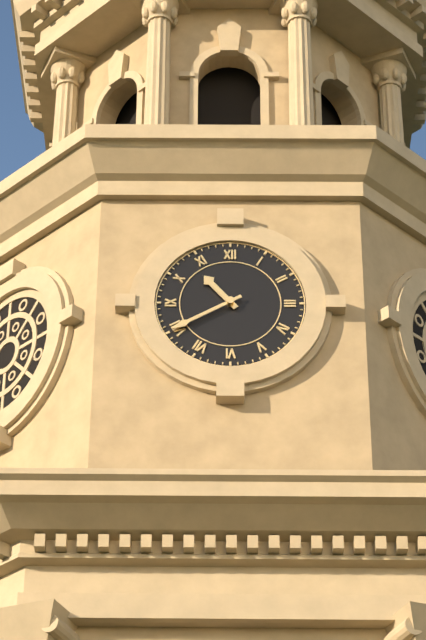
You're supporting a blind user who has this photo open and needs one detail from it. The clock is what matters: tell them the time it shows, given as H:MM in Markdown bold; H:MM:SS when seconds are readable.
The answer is **10:40**
